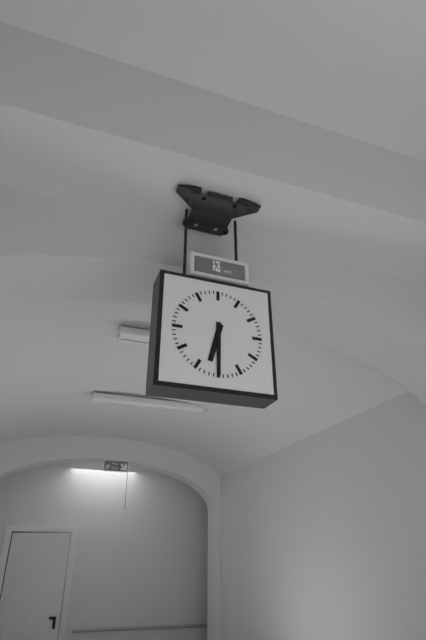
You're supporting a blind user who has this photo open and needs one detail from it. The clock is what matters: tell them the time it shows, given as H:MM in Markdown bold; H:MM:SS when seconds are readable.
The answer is **6:30**
